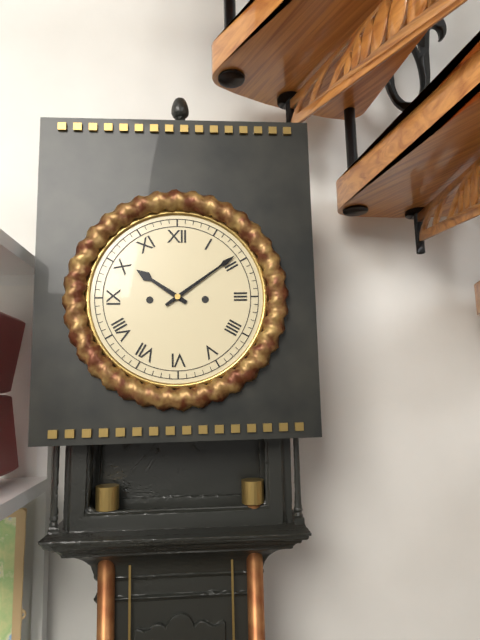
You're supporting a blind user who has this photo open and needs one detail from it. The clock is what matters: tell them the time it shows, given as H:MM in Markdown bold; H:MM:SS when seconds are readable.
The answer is **10:09**
